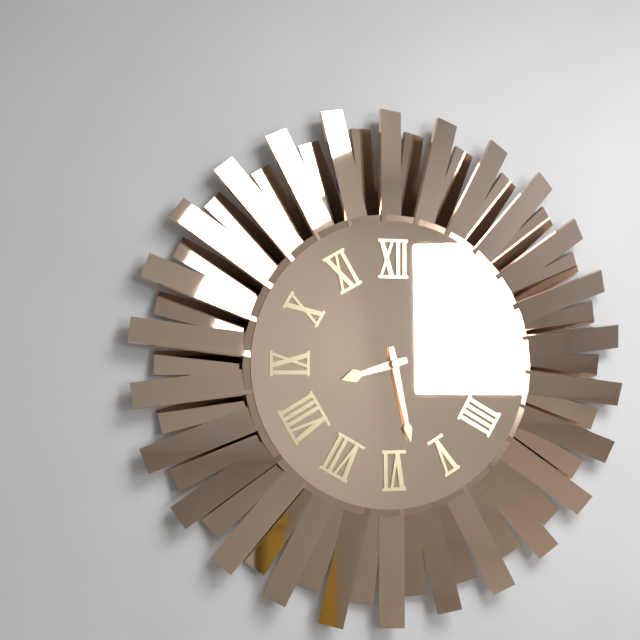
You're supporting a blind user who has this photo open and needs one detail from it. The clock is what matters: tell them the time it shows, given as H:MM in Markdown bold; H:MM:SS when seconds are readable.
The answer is **8:28**
